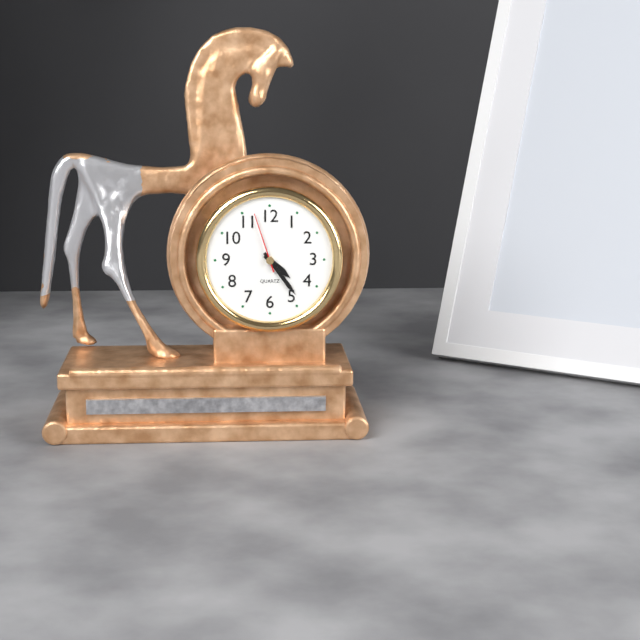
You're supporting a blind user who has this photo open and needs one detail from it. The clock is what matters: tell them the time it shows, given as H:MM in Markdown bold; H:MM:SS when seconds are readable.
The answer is **4:24:57**
